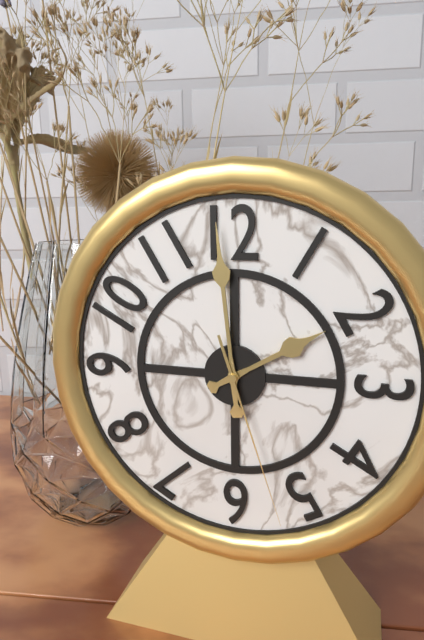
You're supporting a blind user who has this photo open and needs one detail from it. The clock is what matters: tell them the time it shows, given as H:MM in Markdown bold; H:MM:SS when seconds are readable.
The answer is **1:59:27**
